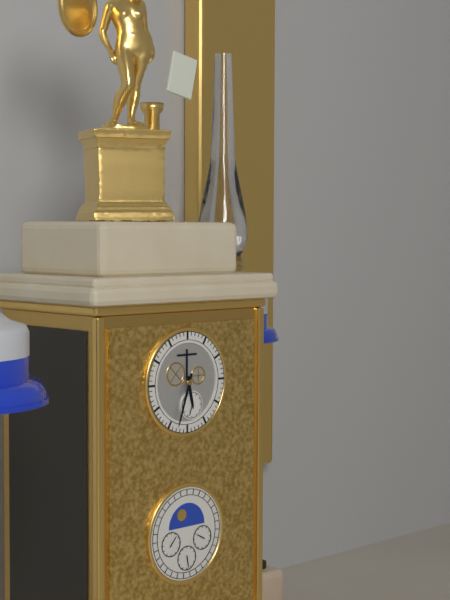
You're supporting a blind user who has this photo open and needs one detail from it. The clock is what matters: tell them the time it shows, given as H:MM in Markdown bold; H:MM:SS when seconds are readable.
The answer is **5:33**
